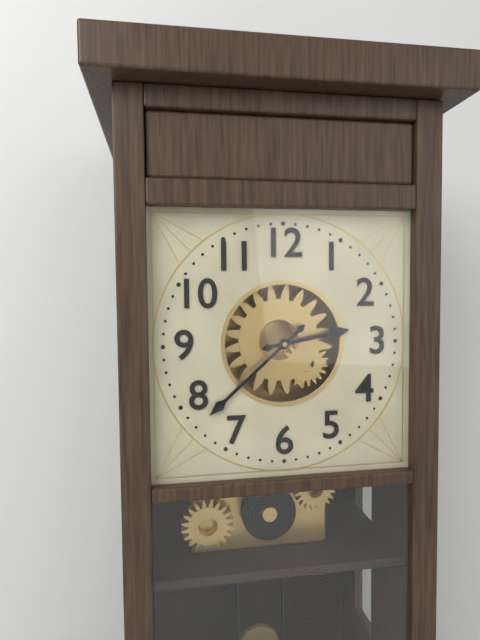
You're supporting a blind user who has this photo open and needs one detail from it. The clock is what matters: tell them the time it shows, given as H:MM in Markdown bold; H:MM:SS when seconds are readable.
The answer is **2:38**
